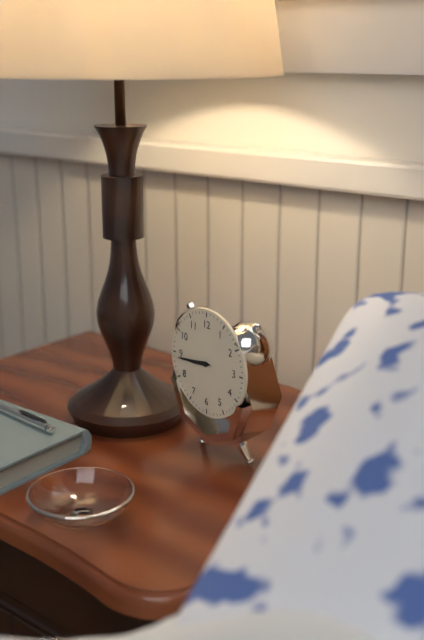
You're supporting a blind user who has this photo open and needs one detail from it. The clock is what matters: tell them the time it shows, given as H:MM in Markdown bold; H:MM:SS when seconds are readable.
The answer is **8:44**
